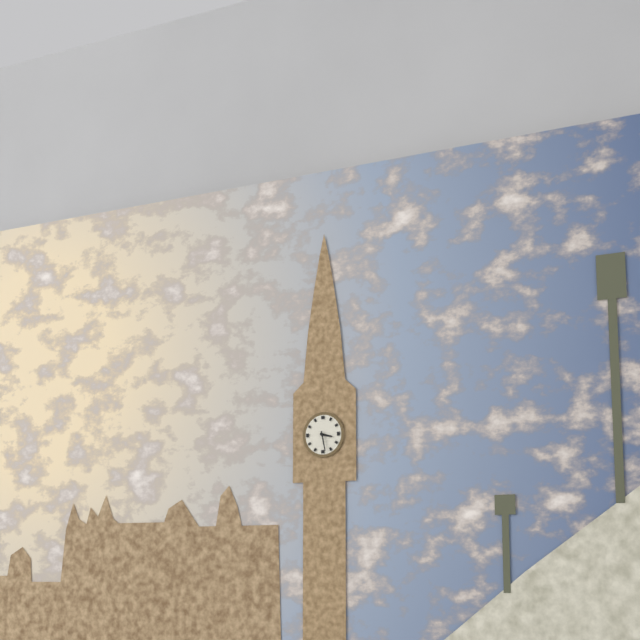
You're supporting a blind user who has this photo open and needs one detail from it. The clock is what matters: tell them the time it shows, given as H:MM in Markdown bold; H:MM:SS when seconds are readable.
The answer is **3:28**
